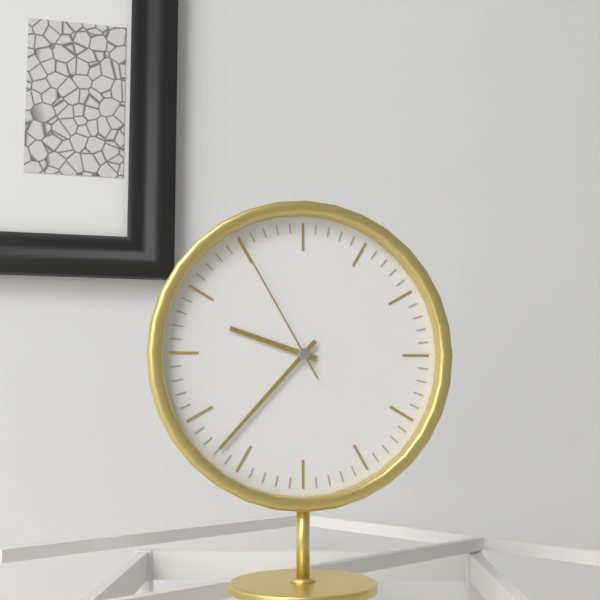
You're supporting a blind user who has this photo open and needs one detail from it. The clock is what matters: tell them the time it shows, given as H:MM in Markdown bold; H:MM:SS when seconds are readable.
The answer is **9:37:55**
